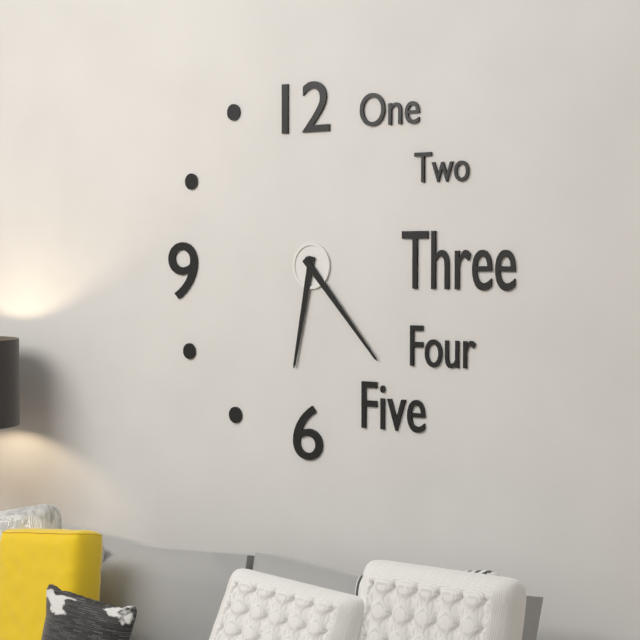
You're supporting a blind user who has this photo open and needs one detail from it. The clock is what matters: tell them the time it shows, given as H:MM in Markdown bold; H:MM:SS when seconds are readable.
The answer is **6:23**
